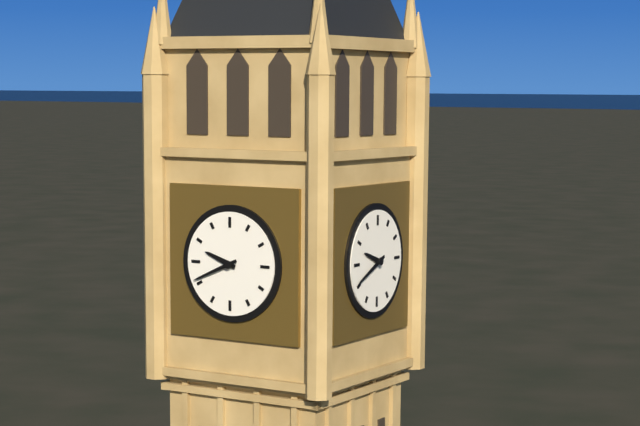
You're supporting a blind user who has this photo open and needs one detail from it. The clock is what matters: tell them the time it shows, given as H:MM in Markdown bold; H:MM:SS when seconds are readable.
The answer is **9:41**
